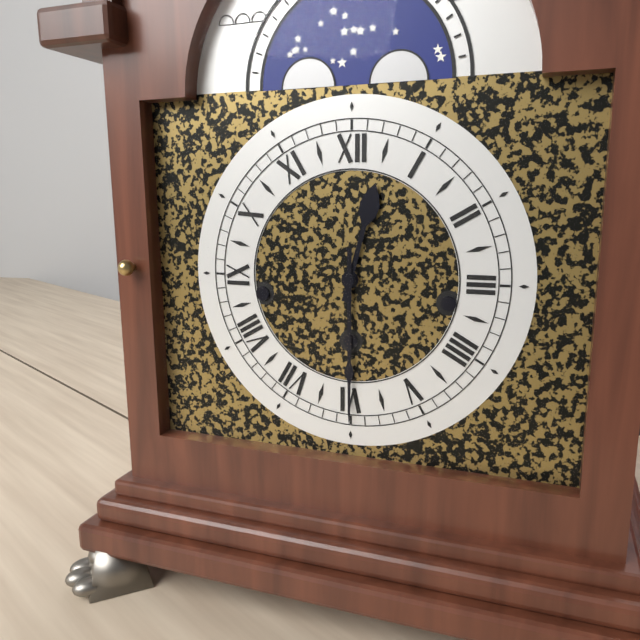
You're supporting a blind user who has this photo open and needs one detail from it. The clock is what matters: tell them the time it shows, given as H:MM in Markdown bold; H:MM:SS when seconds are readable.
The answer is **12:30**
